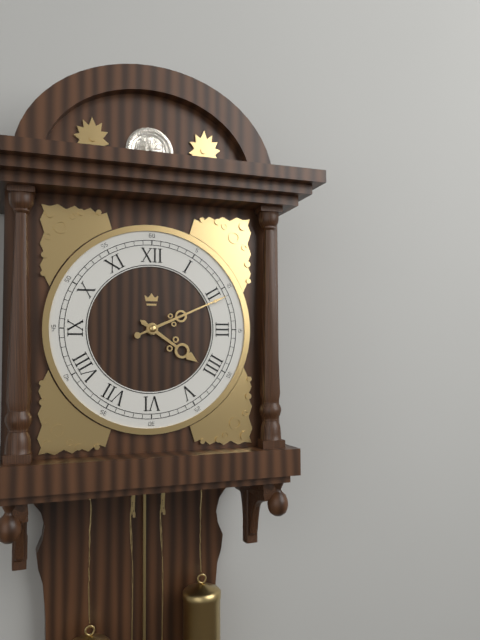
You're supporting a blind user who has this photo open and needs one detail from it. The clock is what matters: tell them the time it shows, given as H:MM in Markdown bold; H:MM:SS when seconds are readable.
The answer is **4:11**
